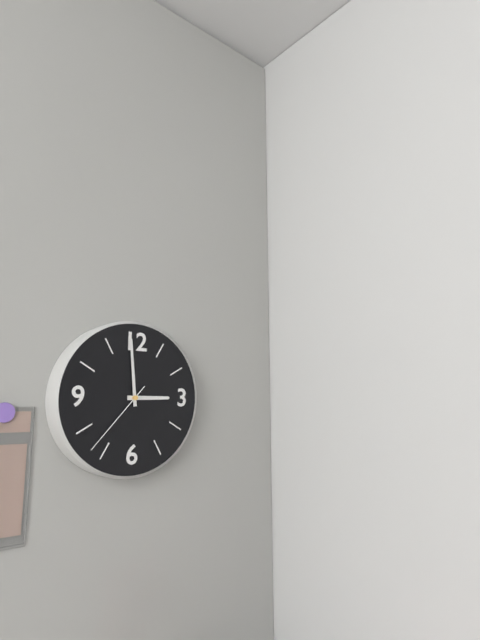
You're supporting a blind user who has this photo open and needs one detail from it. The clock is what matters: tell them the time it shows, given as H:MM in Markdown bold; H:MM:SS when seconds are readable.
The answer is **2:59:37**
